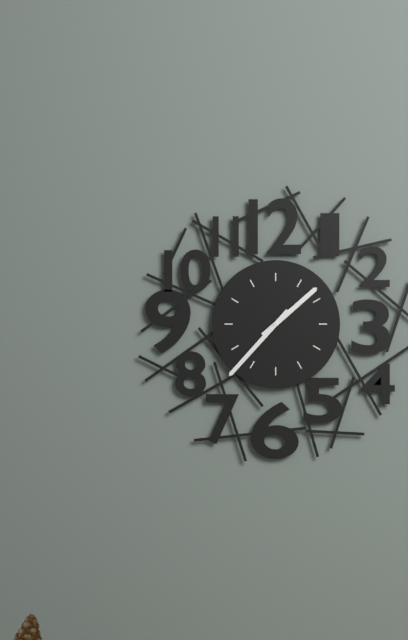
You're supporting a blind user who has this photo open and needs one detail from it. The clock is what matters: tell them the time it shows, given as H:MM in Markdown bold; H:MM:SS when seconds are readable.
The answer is **1:37**
